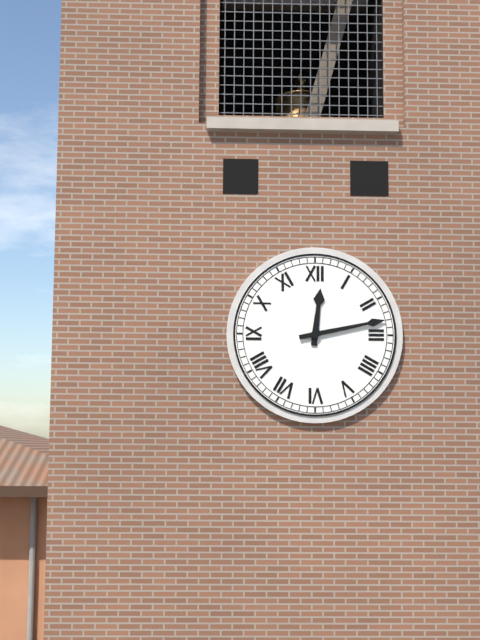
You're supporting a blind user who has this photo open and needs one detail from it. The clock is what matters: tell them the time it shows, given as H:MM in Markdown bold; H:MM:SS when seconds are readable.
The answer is **12:13**
